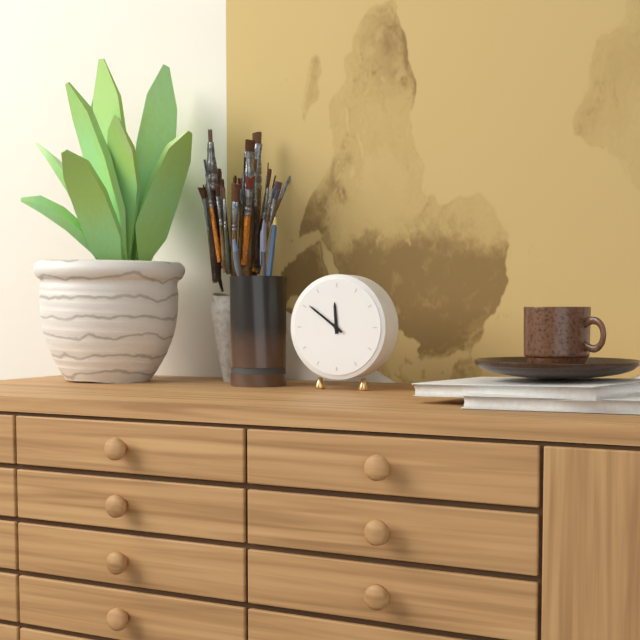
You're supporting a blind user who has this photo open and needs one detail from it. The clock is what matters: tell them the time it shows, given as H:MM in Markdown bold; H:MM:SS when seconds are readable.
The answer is **11:51**
